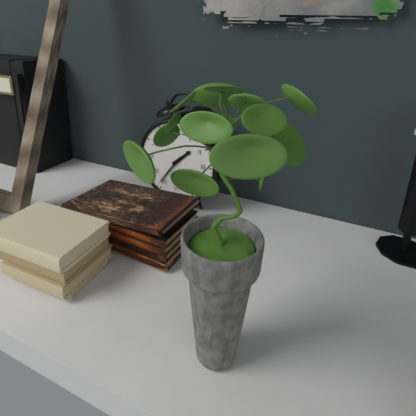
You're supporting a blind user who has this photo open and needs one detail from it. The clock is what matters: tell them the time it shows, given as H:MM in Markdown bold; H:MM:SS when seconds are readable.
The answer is **1:36**
